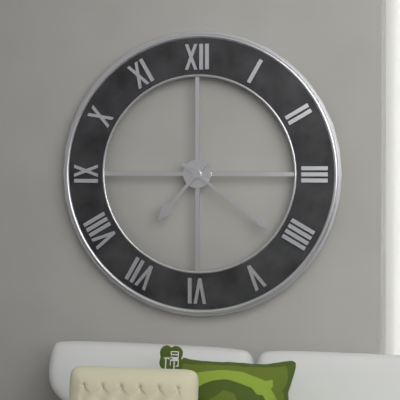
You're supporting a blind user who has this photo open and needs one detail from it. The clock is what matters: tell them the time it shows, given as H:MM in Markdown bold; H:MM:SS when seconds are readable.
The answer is **7:21**
